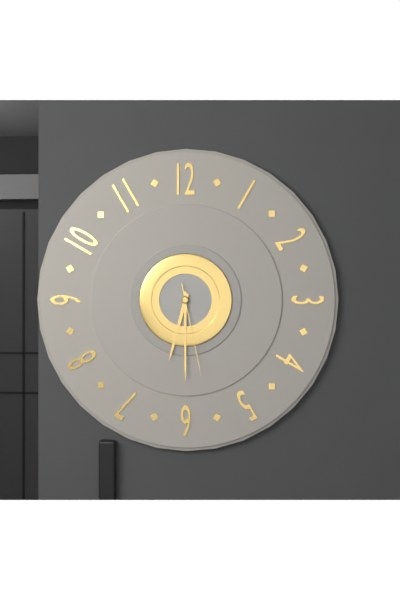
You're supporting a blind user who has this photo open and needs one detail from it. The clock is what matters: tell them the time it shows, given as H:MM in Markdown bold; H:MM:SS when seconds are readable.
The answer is **6:30:28**
